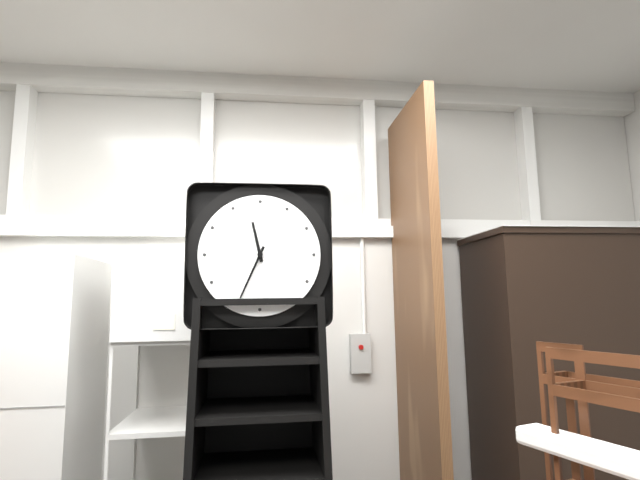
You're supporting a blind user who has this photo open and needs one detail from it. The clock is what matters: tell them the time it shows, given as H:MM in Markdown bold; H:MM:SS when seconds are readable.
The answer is **11:34**
